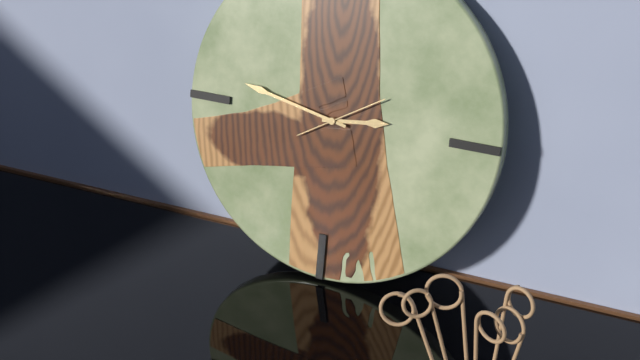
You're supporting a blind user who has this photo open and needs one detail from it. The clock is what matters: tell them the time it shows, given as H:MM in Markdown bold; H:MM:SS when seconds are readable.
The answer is **2:47:10**
